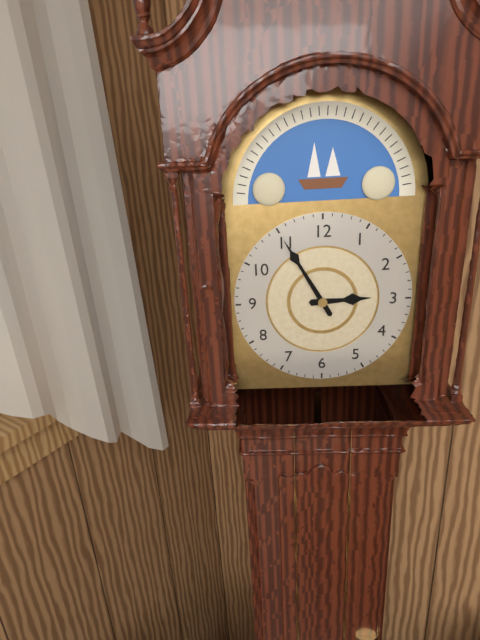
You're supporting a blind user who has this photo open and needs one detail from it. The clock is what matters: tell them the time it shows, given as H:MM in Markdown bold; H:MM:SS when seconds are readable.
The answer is **2:55**
